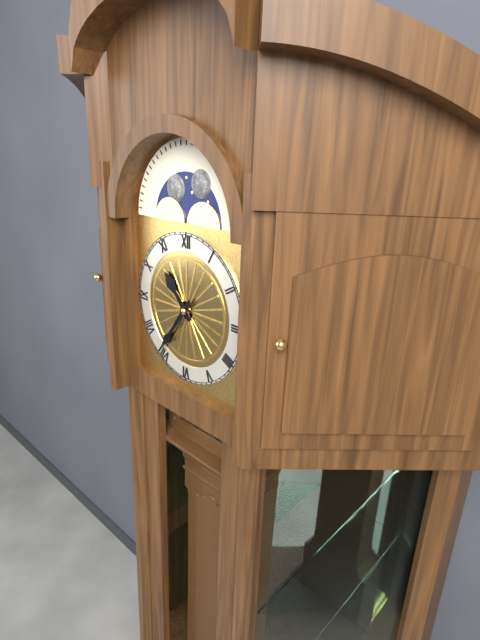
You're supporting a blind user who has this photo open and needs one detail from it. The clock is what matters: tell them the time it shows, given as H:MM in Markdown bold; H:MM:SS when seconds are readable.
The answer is **10:36**
